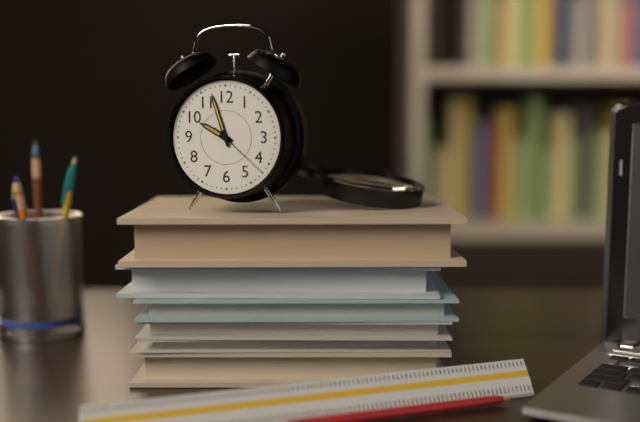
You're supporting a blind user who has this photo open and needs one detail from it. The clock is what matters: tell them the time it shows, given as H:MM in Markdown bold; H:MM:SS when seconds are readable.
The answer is **9:57:22**
